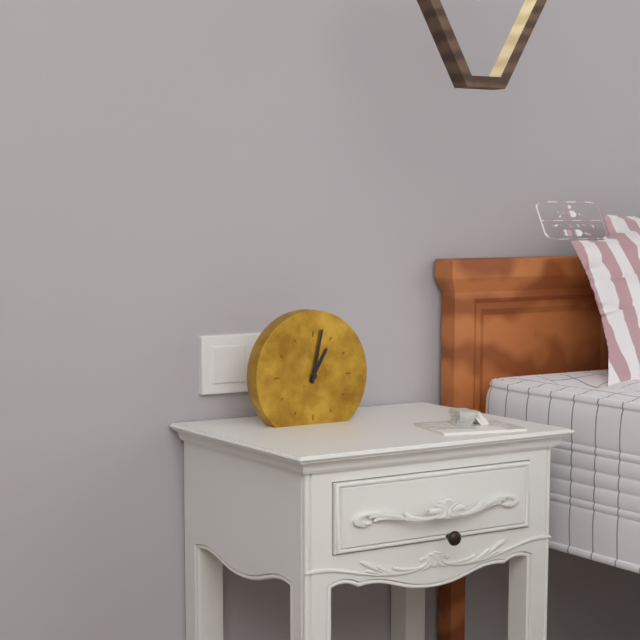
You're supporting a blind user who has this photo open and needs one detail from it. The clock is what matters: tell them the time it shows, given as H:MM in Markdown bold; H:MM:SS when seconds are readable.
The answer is **1:02**
